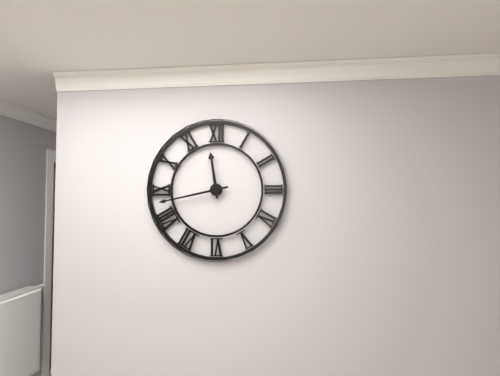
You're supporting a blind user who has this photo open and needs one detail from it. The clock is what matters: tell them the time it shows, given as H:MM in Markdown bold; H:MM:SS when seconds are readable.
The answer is **11:43**
